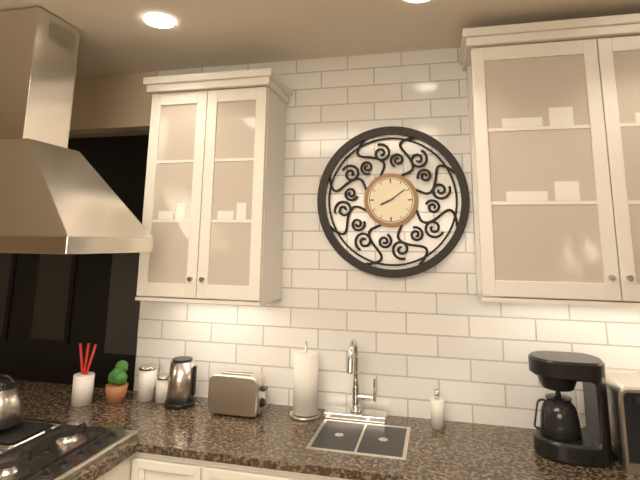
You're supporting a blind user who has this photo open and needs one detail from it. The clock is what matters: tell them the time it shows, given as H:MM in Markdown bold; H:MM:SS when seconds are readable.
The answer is **8:09**
